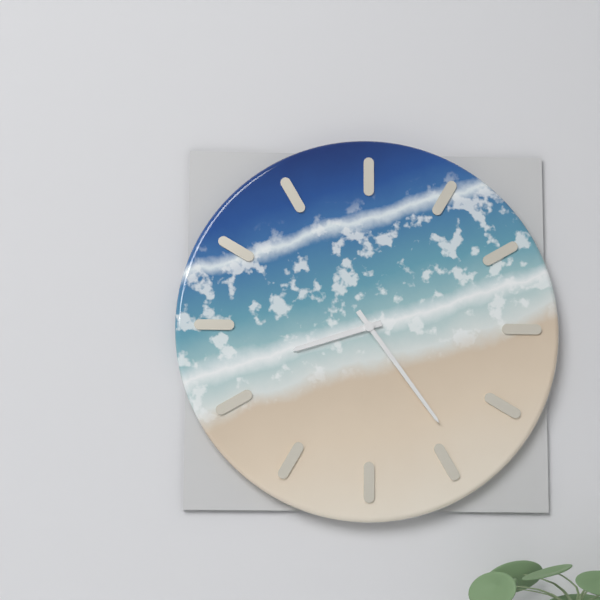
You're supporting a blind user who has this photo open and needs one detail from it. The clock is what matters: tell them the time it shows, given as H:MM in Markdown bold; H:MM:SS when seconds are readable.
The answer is **8:24**
